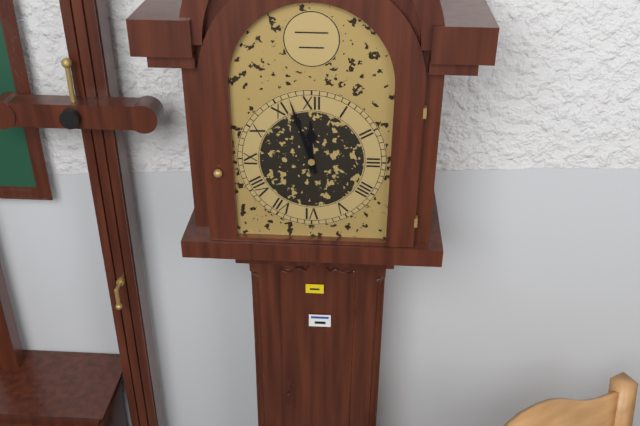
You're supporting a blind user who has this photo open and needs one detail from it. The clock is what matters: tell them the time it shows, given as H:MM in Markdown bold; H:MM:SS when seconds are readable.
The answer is **11:57**
